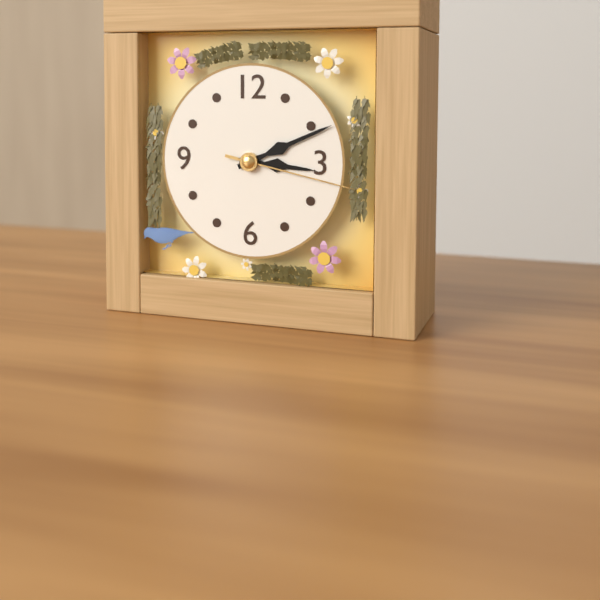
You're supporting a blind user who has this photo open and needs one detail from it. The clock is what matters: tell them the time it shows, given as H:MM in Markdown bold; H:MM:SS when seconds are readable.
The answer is **3:11:17**
